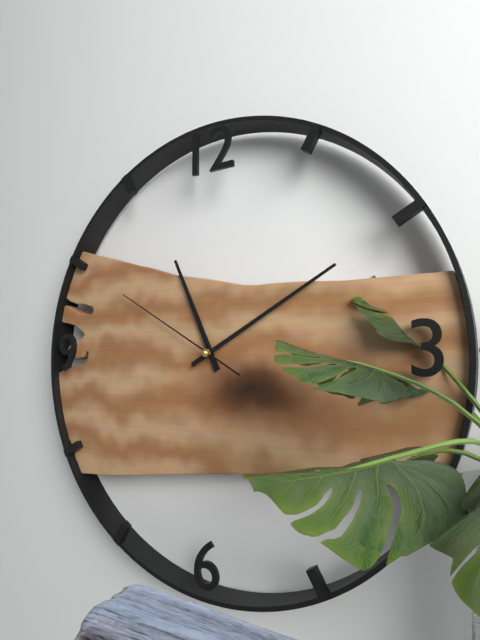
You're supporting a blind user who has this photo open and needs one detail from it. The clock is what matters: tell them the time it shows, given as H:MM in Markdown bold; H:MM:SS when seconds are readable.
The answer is **11:10:50**
